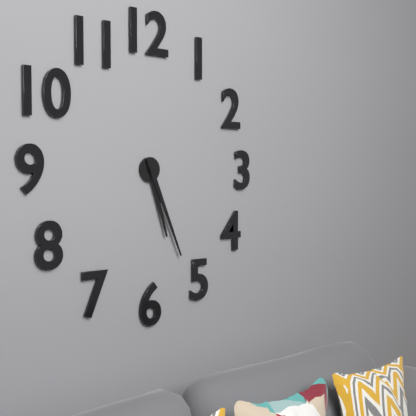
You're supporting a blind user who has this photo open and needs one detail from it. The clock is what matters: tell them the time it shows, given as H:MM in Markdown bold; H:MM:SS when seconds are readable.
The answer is **5:26**
